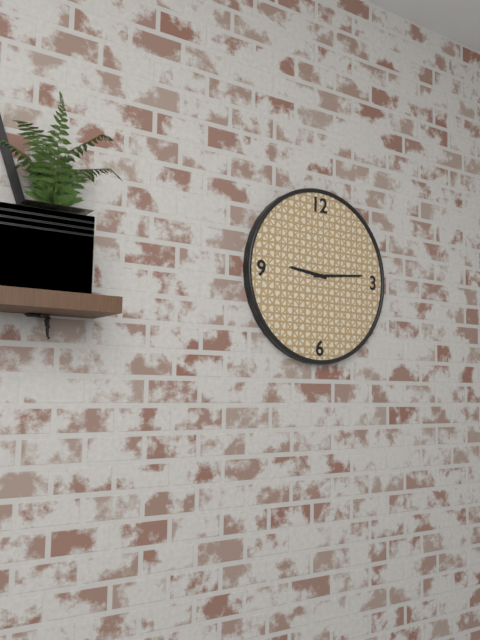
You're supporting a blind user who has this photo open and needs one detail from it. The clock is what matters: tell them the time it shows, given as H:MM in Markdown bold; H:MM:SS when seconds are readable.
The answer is **9:14**
